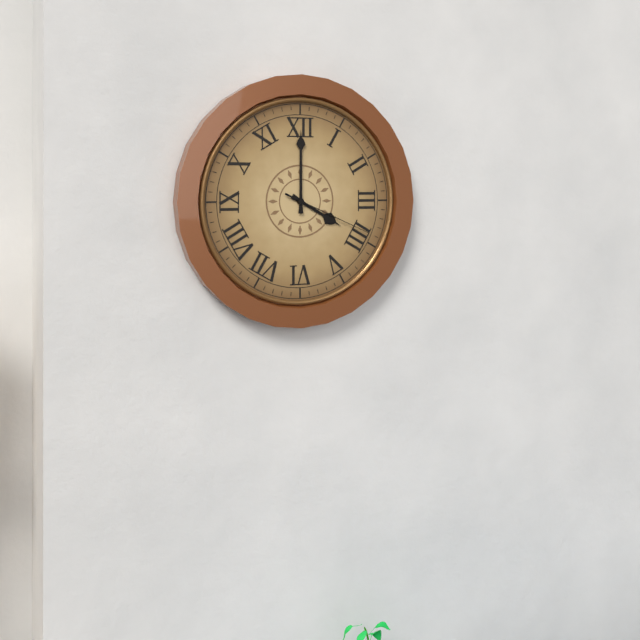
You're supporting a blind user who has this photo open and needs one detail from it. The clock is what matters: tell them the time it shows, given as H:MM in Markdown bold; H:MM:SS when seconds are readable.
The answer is **4:00:19**
